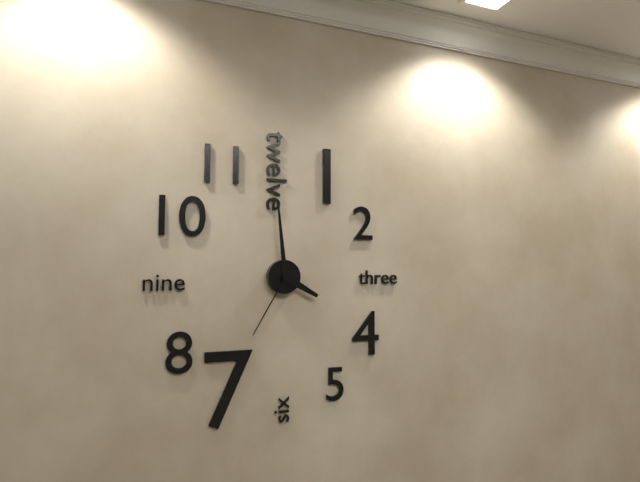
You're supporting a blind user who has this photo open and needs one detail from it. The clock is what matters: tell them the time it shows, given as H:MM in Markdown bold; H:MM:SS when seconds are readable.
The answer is **3:59:35**
